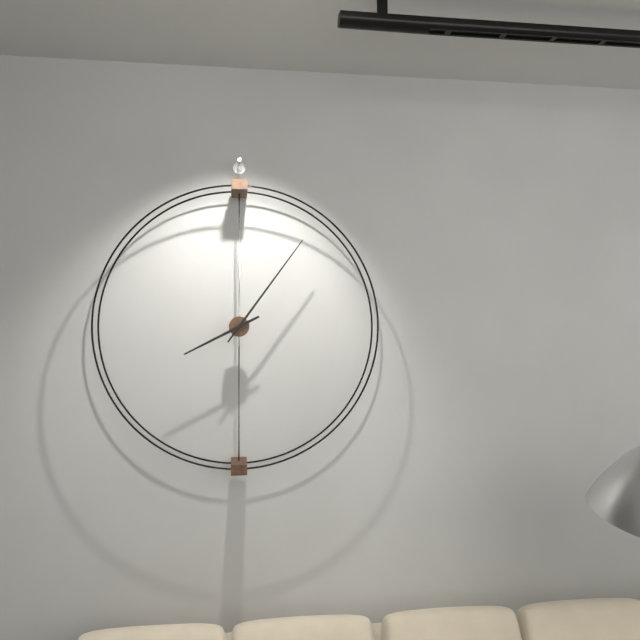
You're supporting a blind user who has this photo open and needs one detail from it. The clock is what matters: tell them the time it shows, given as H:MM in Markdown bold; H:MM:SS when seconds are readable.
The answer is **8:06**
